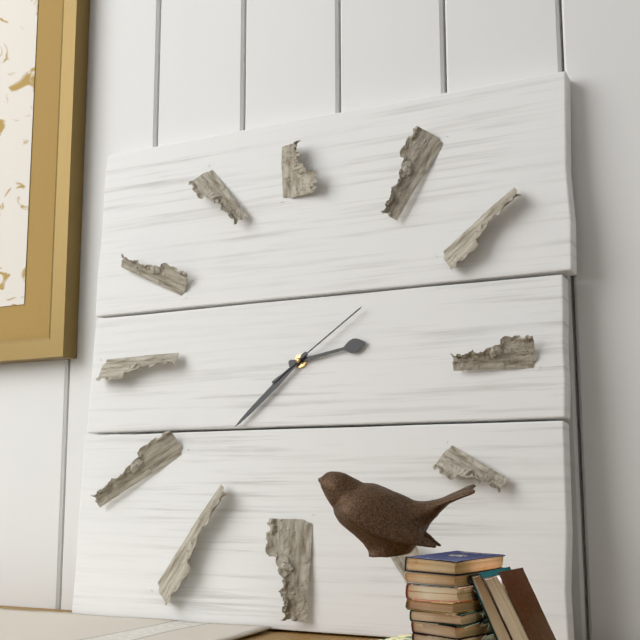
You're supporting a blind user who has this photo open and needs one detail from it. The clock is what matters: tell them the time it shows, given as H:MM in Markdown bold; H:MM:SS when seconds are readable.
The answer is **2:38:09**
